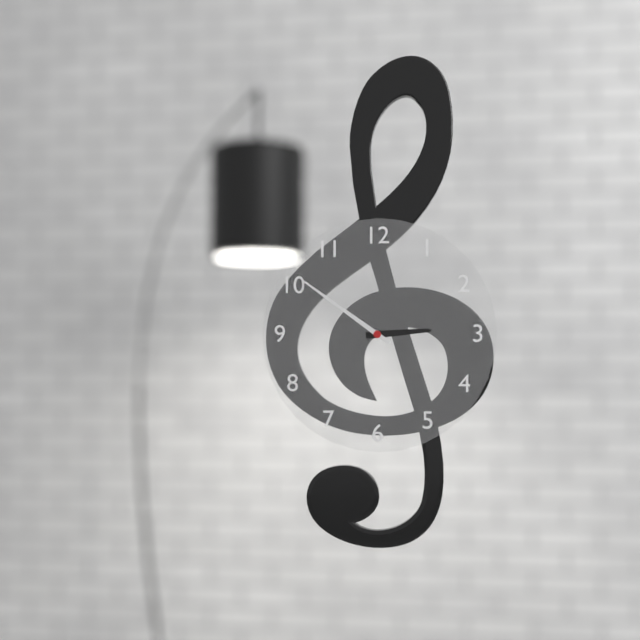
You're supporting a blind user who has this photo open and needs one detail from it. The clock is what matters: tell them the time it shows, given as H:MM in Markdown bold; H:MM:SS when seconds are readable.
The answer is **2:51**
